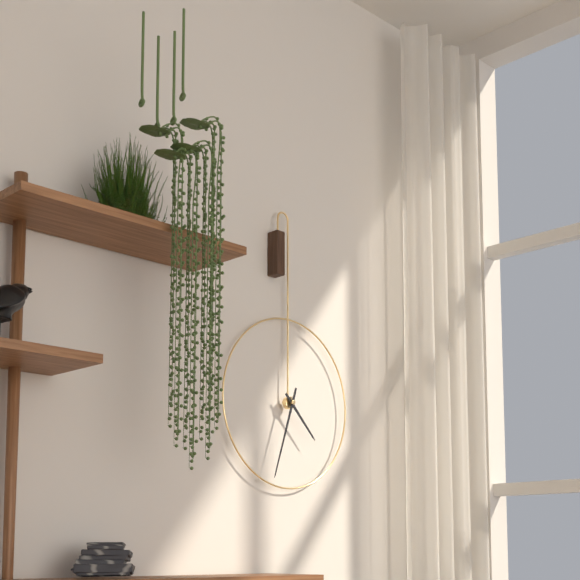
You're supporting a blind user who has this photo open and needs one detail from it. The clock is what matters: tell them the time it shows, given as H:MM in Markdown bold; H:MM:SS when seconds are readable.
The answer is **4:33**
